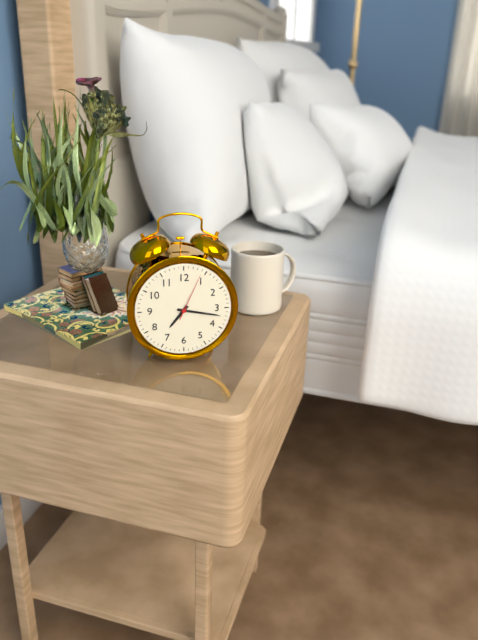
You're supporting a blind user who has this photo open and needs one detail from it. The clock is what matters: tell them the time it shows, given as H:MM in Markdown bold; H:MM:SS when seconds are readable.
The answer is **7:17:04**
